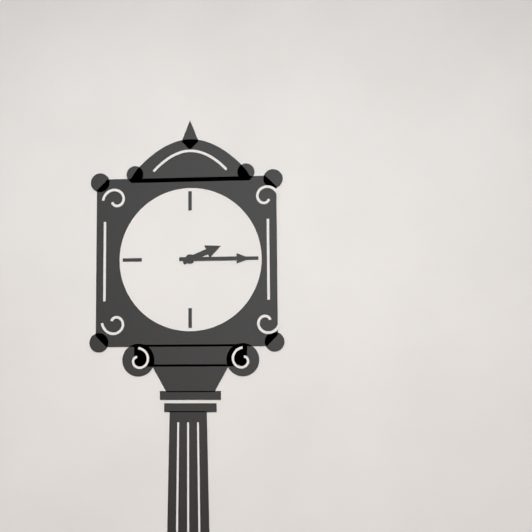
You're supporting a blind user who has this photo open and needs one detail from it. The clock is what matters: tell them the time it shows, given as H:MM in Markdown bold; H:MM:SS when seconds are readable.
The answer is **2:15**
